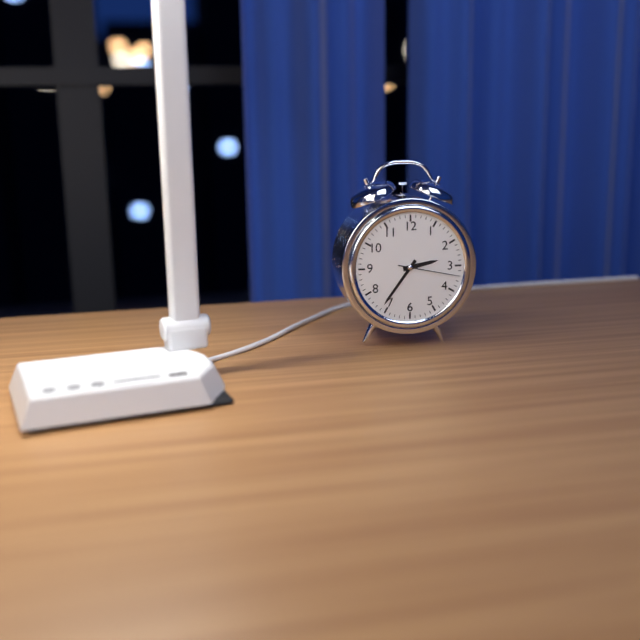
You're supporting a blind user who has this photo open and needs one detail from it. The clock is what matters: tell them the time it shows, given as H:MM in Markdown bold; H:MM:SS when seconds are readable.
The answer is **2:36:17**
